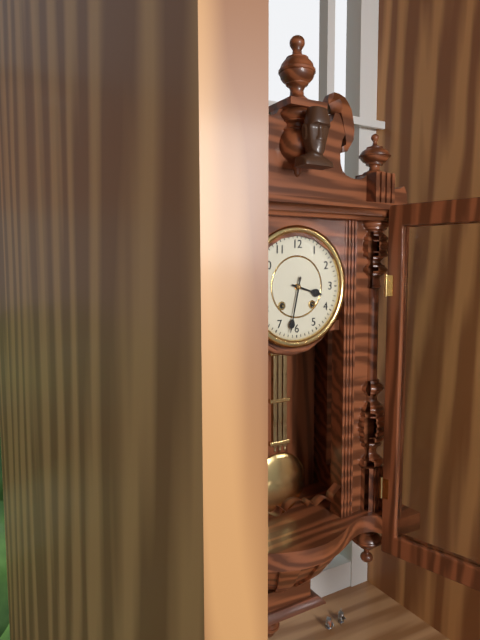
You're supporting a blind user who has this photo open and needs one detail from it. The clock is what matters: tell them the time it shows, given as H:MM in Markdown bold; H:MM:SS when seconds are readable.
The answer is **3:32**
